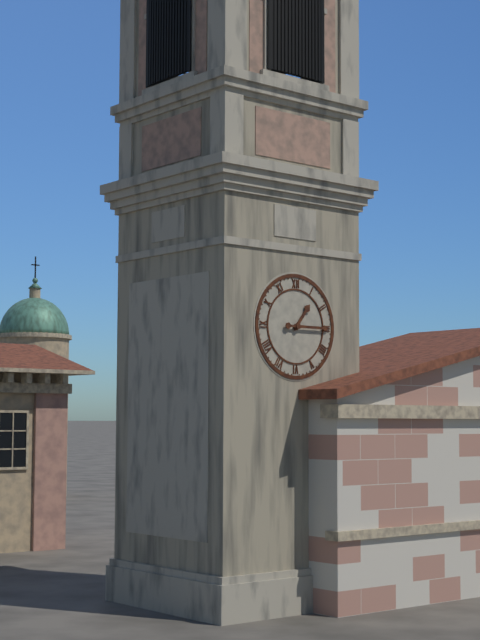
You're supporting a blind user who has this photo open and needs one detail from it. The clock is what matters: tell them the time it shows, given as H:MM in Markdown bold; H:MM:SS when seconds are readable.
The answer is **1:15**
